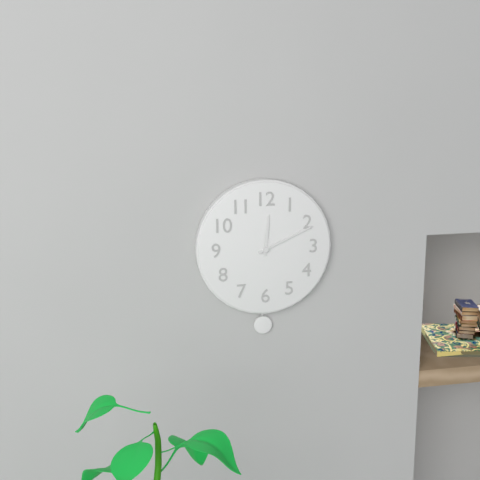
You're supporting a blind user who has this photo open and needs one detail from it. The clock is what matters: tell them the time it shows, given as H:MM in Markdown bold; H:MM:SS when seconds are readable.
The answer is **12:11**
